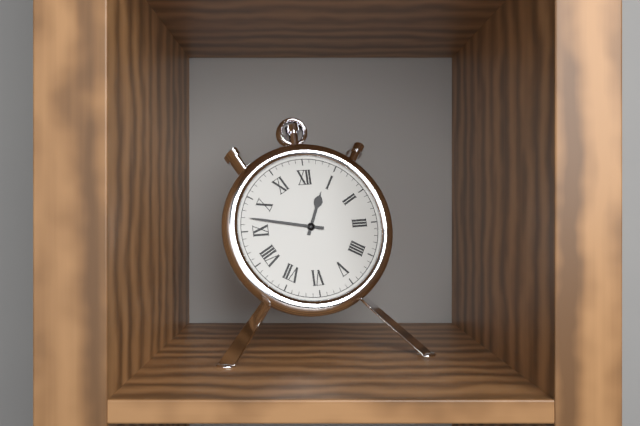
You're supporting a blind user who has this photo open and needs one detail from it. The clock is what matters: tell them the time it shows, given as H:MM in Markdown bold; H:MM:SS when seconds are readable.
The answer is **12:47**
